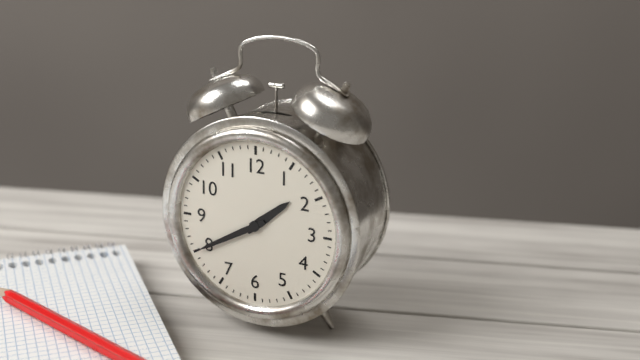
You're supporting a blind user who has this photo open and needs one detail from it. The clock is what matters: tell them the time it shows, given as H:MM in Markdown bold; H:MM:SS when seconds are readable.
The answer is **1:40**
